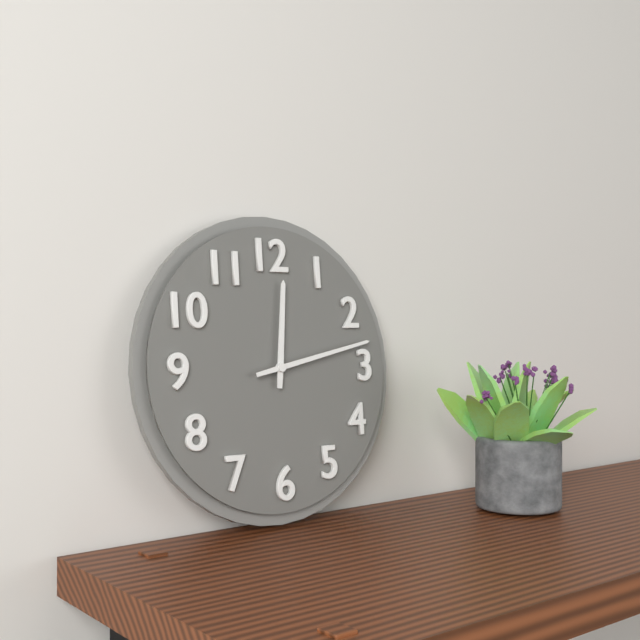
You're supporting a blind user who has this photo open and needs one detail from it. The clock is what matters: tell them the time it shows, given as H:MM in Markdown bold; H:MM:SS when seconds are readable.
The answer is **12:13**
